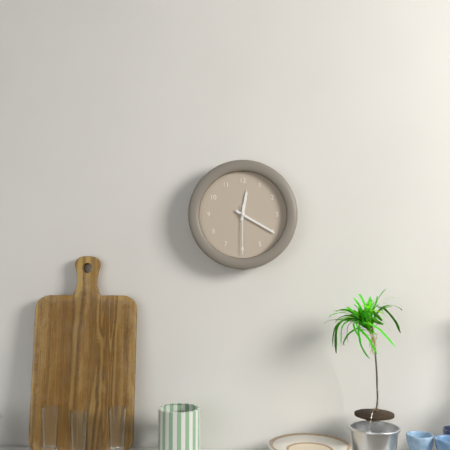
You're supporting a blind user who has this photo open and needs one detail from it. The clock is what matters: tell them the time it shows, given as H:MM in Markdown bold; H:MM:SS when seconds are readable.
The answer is **12:20**
